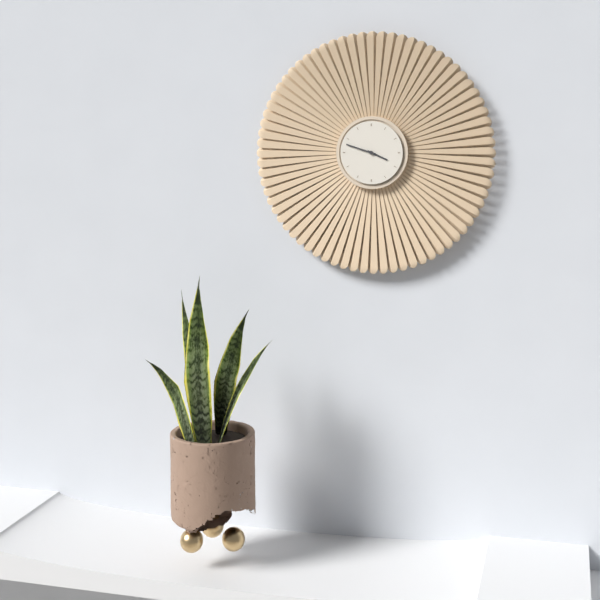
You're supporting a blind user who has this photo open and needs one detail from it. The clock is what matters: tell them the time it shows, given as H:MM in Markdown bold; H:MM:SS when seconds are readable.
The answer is **3:48**
